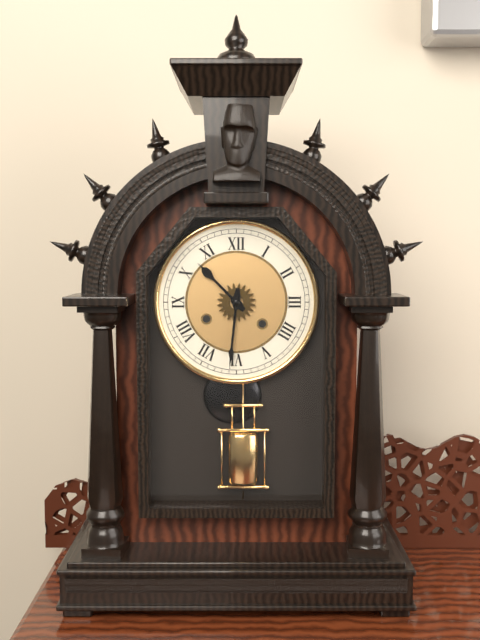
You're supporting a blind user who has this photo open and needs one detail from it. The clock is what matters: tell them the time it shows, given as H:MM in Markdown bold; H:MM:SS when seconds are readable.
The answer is **10:31**
